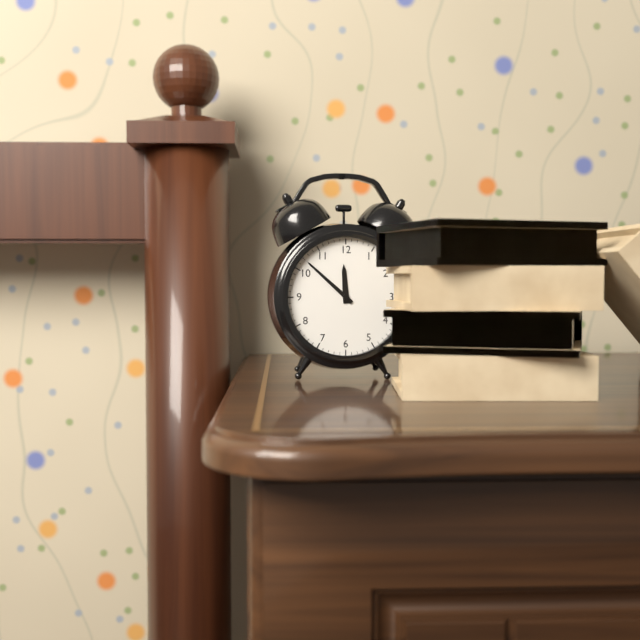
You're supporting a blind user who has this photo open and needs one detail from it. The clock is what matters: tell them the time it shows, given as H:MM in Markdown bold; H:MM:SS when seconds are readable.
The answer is **11:52**
